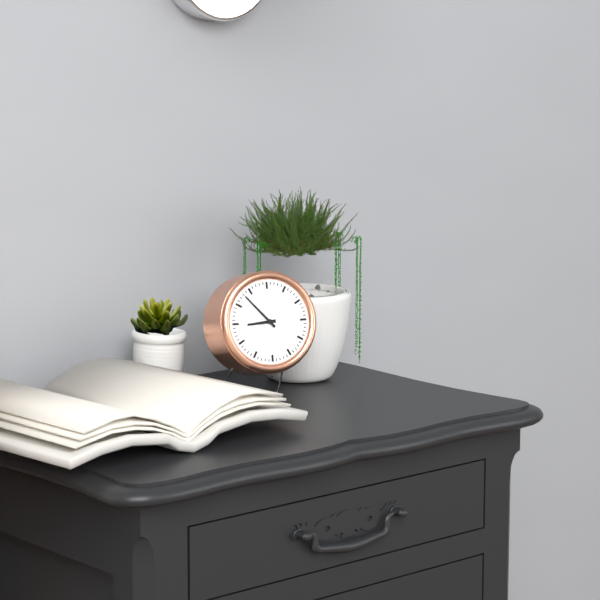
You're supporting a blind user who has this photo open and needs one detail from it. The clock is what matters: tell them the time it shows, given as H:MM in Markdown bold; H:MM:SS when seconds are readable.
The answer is **8:53**
